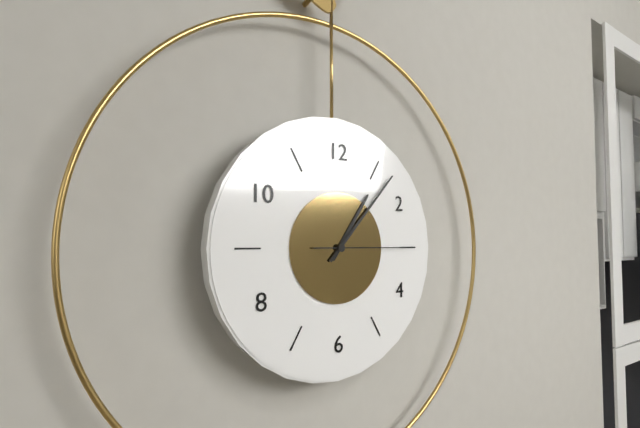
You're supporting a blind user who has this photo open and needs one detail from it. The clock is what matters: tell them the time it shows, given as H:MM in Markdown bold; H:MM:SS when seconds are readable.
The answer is **1:07:15**
